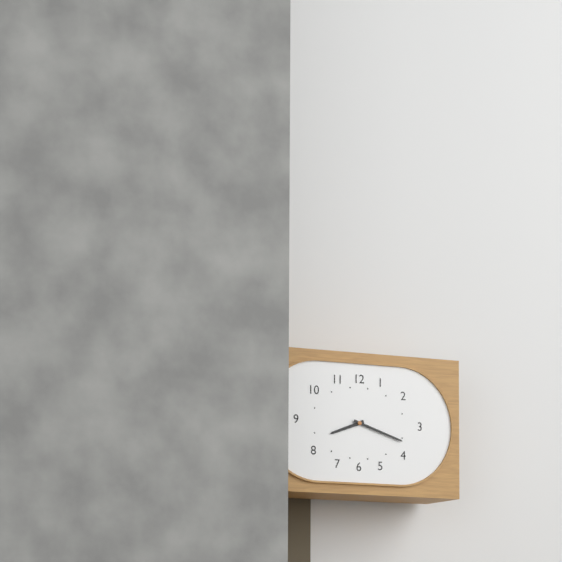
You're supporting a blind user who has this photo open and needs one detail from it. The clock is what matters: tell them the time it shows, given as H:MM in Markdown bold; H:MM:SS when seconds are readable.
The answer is **8:18**
